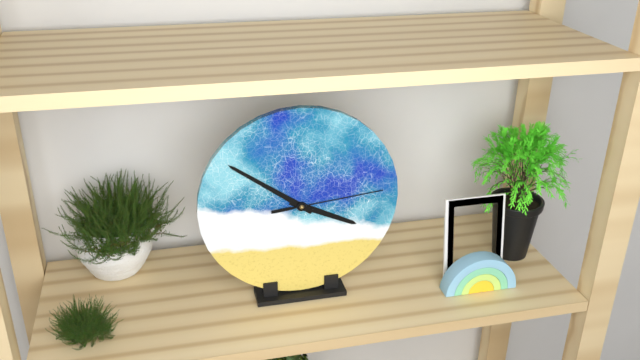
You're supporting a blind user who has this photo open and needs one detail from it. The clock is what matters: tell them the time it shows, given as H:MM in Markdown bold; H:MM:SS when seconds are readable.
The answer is **3:51:14**
